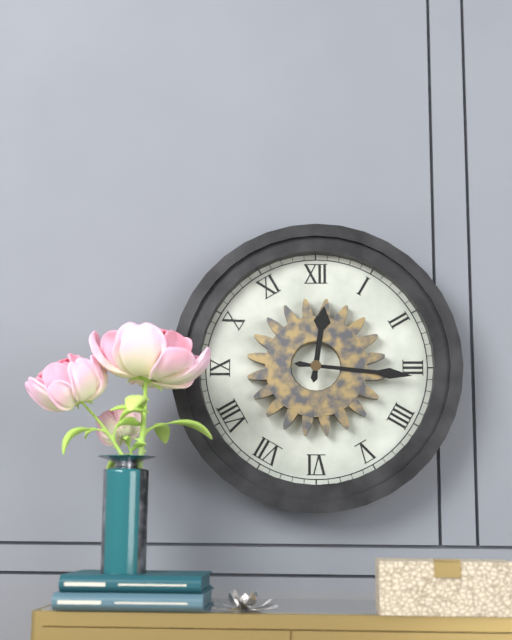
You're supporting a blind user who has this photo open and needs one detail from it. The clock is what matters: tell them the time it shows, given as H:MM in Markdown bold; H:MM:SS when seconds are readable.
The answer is **12:16**
